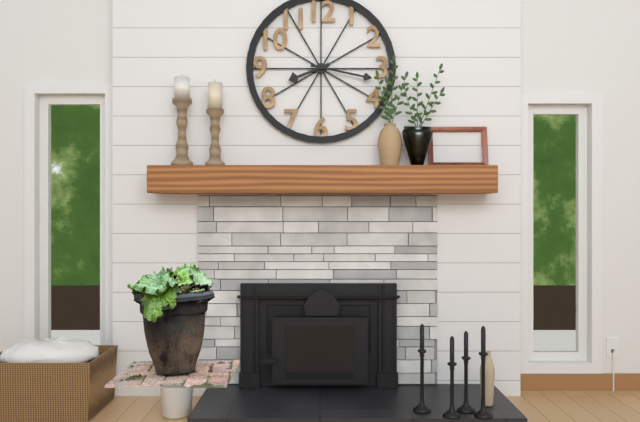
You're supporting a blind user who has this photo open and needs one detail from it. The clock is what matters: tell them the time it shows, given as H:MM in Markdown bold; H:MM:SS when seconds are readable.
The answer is **8:17**
